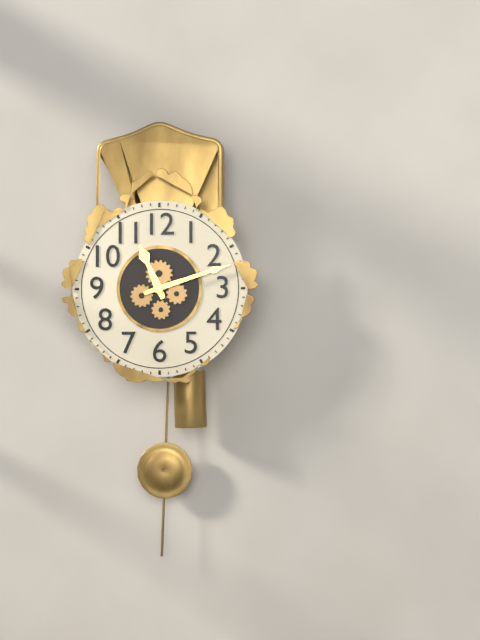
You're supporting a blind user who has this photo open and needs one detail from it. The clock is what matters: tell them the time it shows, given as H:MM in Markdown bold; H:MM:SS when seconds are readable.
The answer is **11:12**
